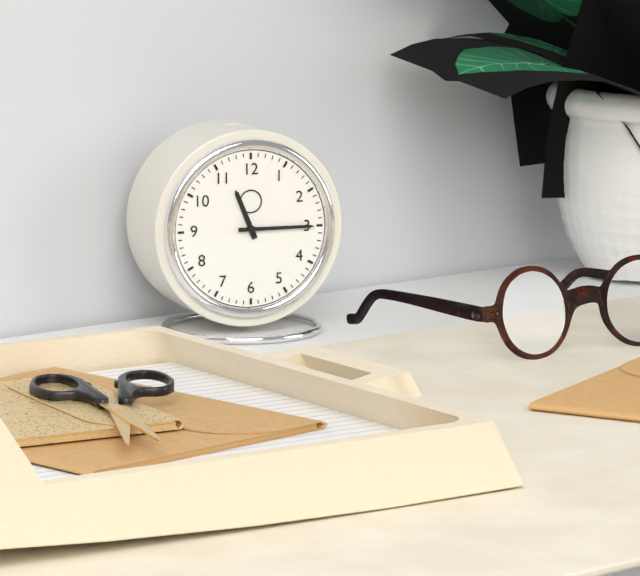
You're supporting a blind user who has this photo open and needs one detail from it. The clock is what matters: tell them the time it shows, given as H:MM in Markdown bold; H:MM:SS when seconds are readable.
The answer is **11:15**
